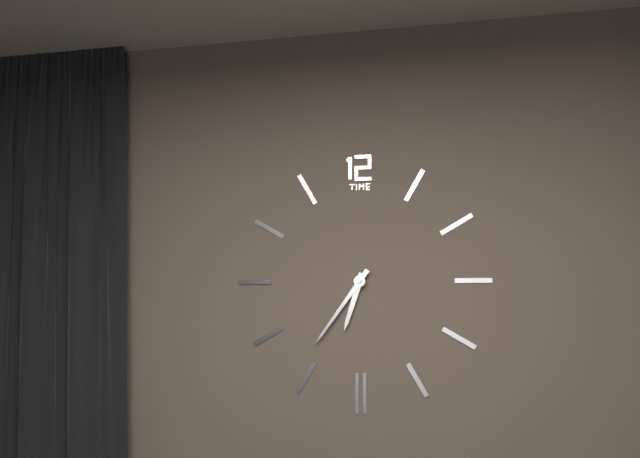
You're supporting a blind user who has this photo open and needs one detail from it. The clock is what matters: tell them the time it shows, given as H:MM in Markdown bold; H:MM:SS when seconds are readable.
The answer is **6:36**
